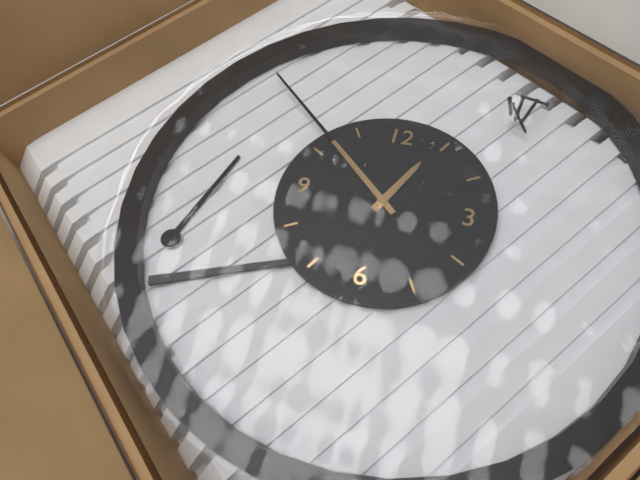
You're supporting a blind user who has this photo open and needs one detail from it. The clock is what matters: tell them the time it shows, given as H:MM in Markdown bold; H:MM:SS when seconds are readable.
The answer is **12:52**
